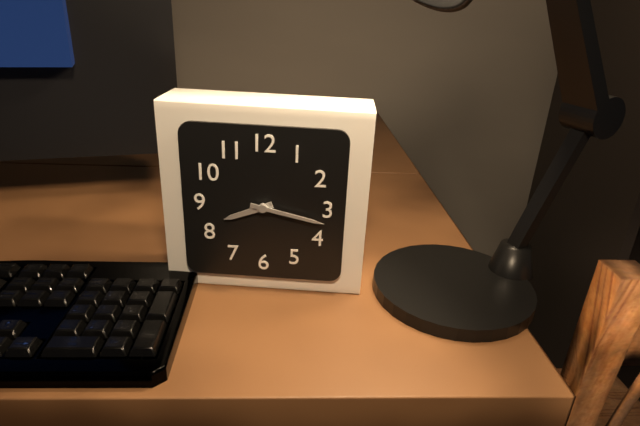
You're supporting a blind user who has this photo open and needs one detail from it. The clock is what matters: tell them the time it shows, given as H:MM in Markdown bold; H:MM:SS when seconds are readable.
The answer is **8:17**
